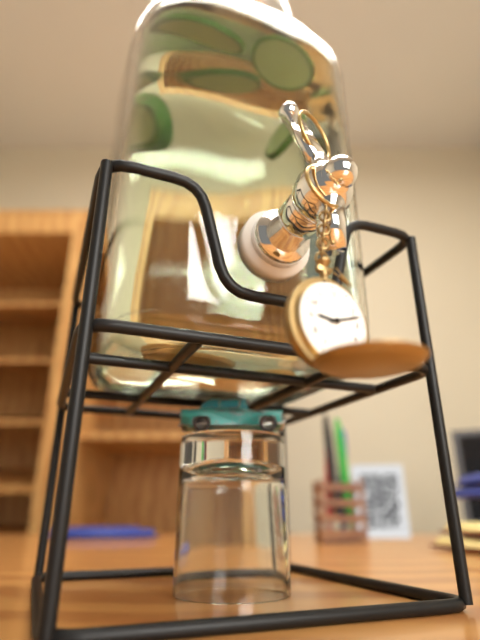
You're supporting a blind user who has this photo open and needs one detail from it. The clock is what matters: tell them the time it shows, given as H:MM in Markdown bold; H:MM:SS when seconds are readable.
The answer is **9:12**
